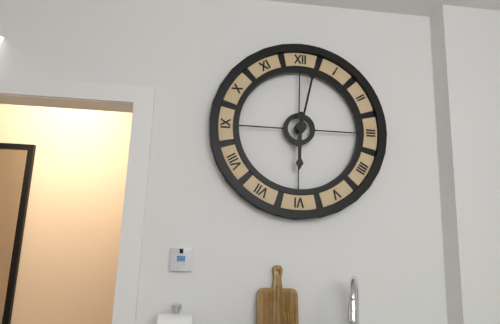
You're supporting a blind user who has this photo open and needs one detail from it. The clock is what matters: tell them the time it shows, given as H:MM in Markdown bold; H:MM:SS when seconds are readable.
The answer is **6:02**
